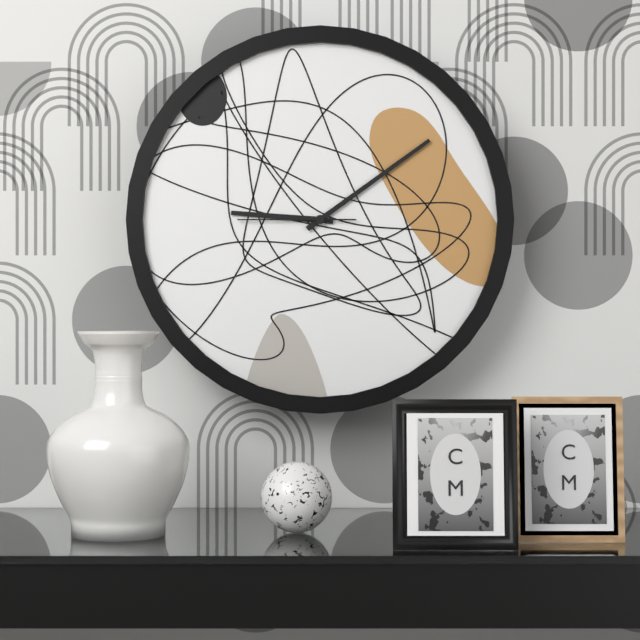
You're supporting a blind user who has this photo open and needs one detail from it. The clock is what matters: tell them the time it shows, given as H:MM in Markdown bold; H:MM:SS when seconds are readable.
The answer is **9:09:45**
